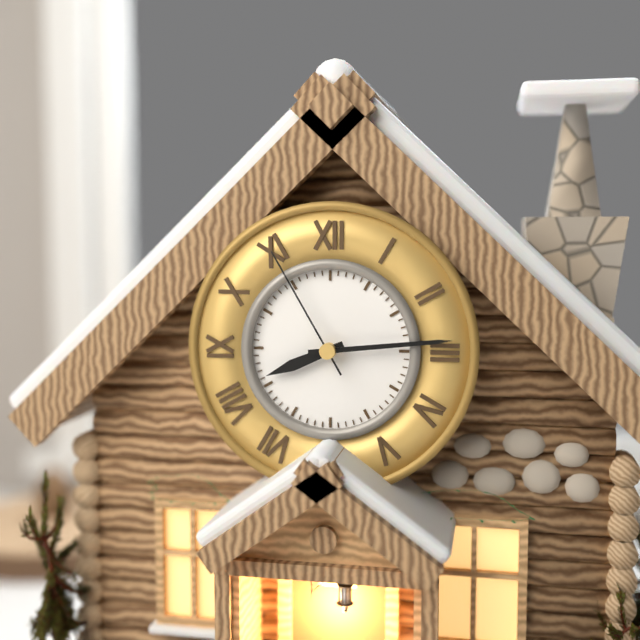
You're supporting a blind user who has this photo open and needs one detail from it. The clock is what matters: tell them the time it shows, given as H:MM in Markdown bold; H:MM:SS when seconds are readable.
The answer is **8:14:55**
